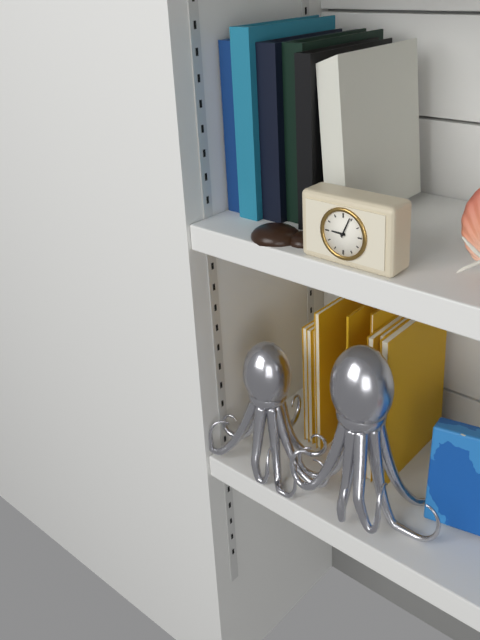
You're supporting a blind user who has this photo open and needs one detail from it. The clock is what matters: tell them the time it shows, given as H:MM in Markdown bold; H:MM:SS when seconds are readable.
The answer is **9:04**
